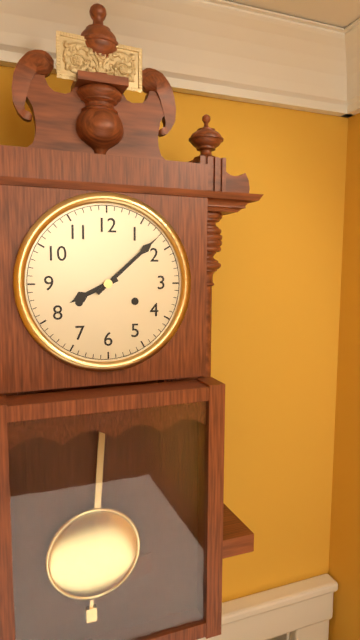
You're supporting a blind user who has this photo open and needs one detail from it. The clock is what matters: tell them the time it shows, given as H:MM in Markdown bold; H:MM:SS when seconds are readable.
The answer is **8:08**
